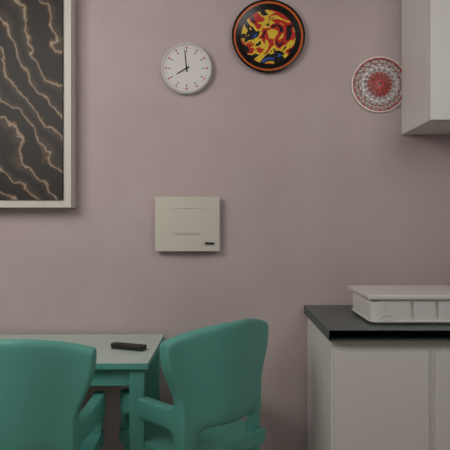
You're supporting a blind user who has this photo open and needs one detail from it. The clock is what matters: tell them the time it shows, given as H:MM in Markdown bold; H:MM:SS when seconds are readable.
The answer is **7:59**
